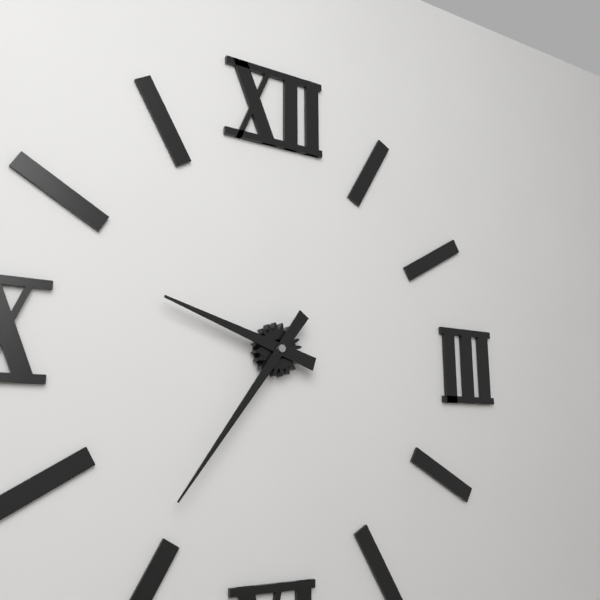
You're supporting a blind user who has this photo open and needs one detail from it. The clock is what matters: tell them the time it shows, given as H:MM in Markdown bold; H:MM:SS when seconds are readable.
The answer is **9:36**
